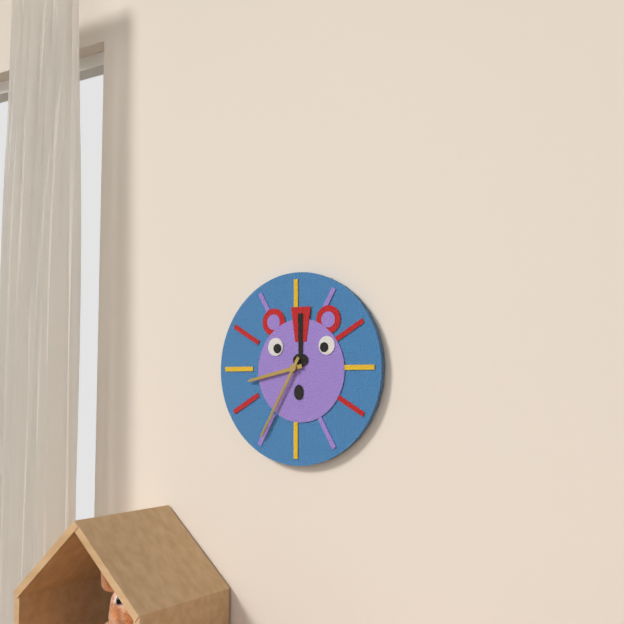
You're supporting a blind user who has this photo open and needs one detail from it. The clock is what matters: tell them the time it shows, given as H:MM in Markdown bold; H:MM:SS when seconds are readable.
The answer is **8:35**
